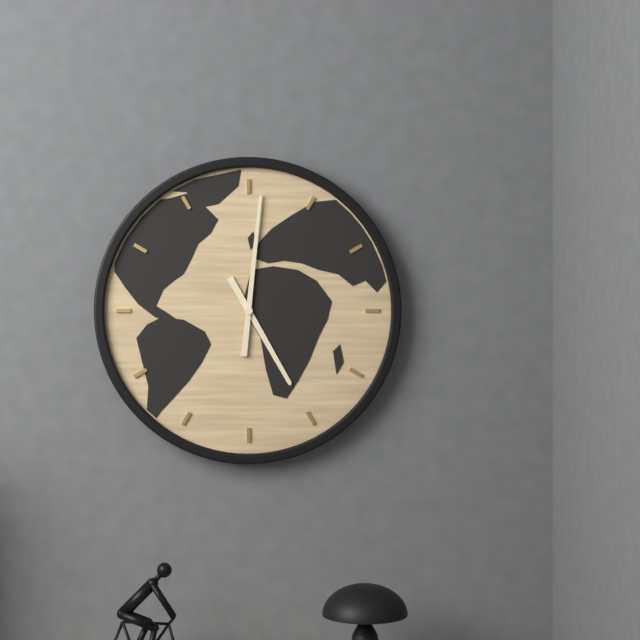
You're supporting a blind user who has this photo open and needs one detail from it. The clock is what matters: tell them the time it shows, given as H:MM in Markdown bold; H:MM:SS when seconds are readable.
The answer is **5:01**
